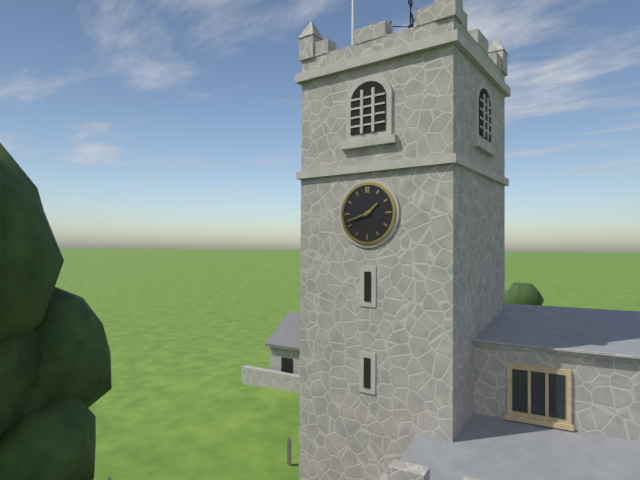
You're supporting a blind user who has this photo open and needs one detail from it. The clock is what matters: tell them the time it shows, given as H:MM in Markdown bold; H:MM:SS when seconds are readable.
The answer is **1:42**
